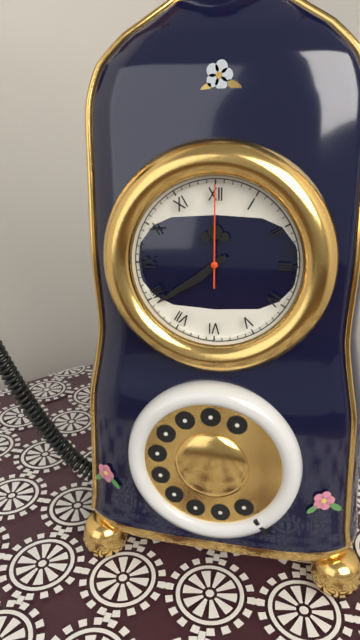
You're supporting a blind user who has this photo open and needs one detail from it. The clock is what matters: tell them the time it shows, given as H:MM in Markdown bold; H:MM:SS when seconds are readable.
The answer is **7:39:00**
